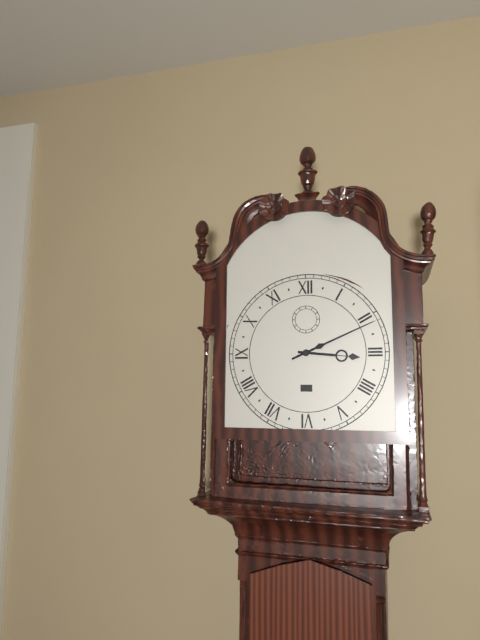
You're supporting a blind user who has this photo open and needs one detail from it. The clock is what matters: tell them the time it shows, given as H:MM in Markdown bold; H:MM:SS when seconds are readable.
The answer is **3:11**
